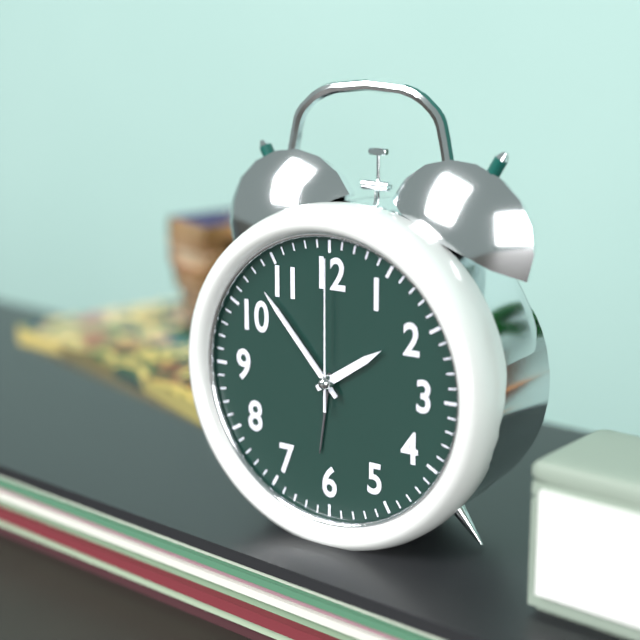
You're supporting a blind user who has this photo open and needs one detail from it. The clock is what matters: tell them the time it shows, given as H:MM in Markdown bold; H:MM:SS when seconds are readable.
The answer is **1:53:00**
